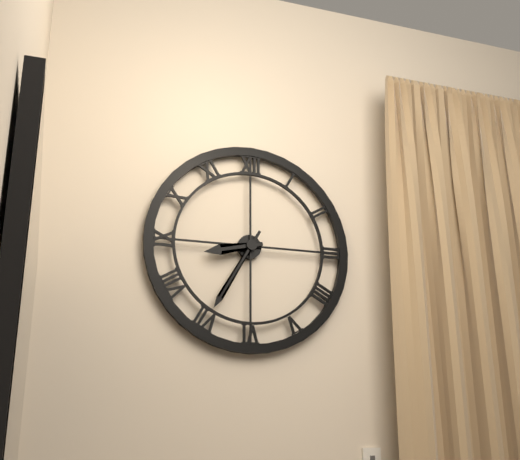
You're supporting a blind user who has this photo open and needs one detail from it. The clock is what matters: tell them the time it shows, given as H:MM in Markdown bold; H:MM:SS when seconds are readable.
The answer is **8:35**
